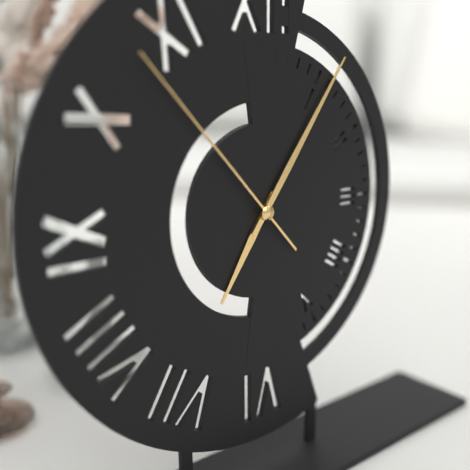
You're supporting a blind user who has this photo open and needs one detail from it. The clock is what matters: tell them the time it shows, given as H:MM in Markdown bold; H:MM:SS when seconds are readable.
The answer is **7:06:53**
